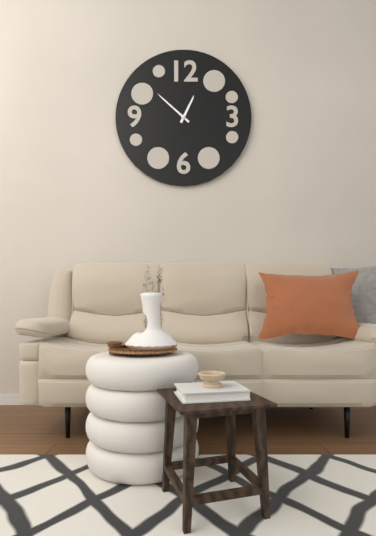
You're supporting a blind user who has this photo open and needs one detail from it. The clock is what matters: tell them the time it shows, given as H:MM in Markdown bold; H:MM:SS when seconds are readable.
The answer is **12:52**
